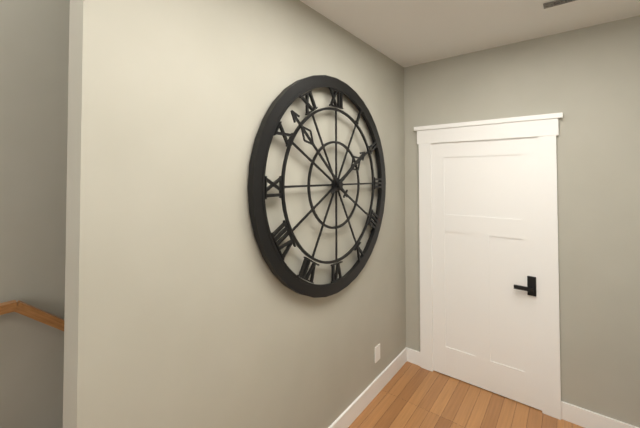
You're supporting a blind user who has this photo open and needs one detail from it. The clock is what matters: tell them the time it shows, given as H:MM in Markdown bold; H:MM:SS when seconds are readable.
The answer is **1:52**
